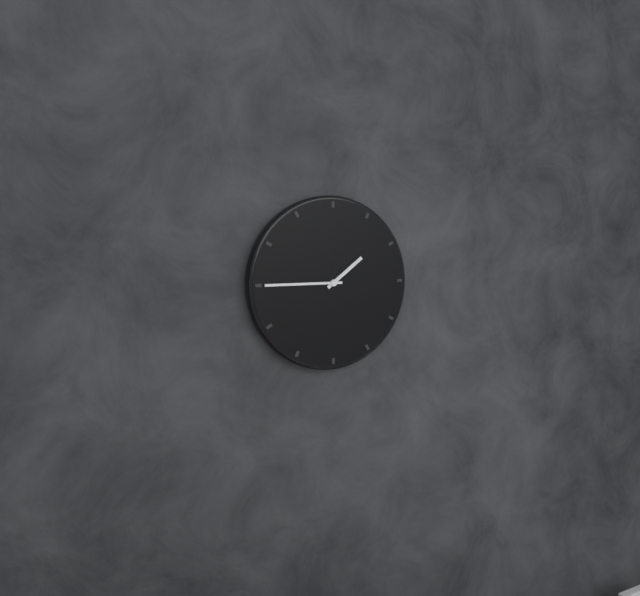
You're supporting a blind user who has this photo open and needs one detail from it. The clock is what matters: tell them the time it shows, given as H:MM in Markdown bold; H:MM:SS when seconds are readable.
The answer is **1:45**
